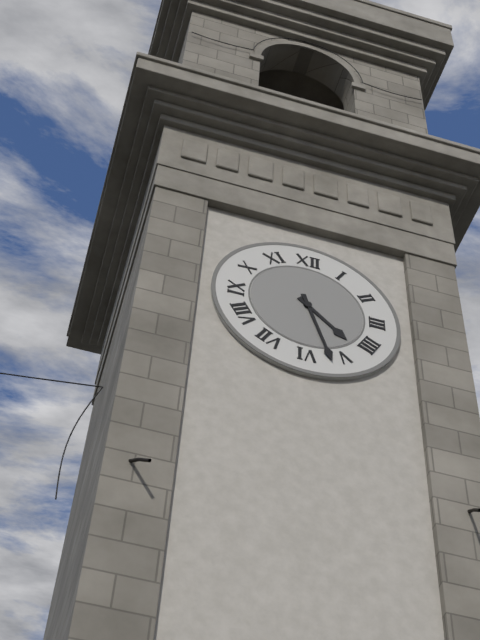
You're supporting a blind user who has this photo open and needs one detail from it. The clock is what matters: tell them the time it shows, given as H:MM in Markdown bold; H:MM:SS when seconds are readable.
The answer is **4:27**
